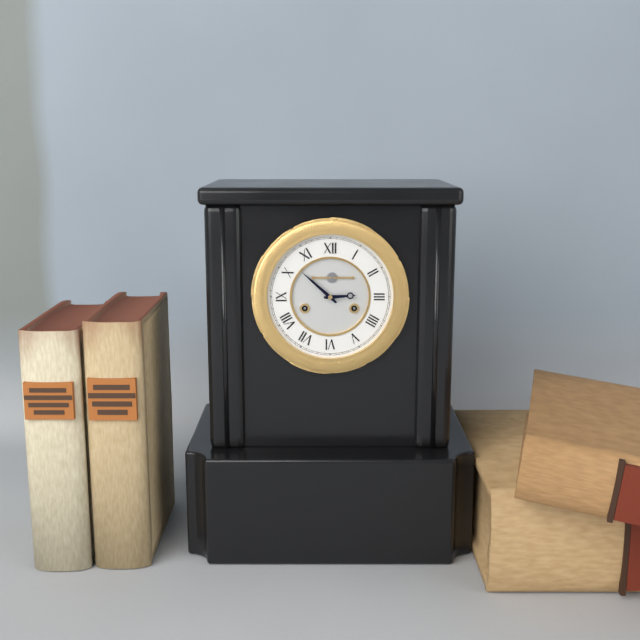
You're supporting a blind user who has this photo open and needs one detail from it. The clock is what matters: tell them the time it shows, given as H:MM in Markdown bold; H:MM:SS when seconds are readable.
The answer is **2:52**
